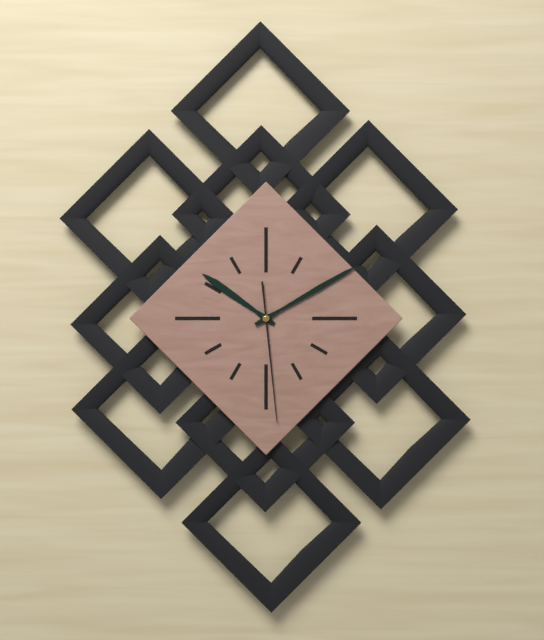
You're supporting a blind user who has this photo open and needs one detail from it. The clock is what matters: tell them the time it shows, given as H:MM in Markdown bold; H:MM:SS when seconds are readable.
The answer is **10:10:29**
